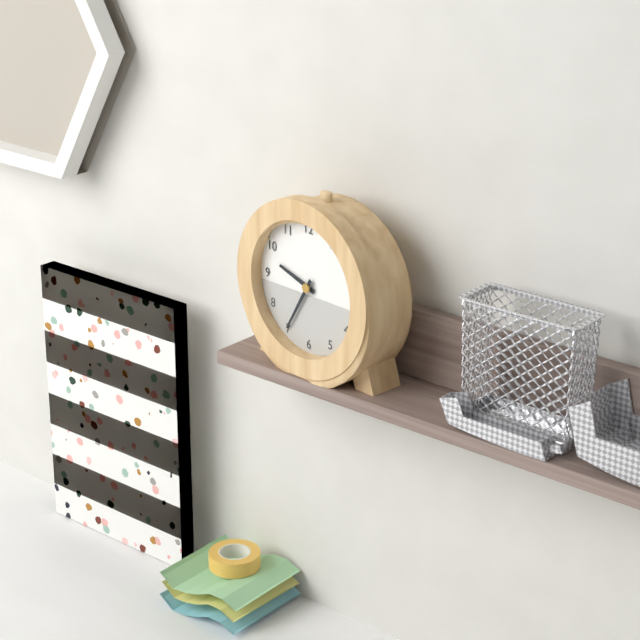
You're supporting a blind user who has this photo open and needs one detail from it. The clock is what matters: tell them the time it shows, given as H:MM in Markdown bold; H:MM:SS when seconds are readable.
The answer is **9:35**
